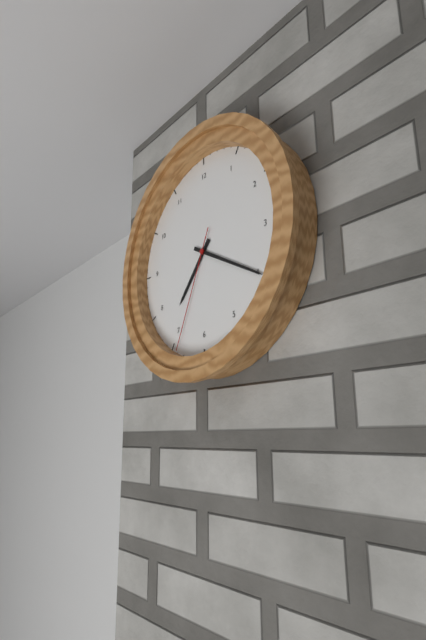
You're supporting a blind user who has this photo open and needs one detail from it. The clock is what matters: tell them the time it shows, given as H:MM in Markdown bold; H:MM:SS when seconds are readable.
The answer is **7:20:34**
